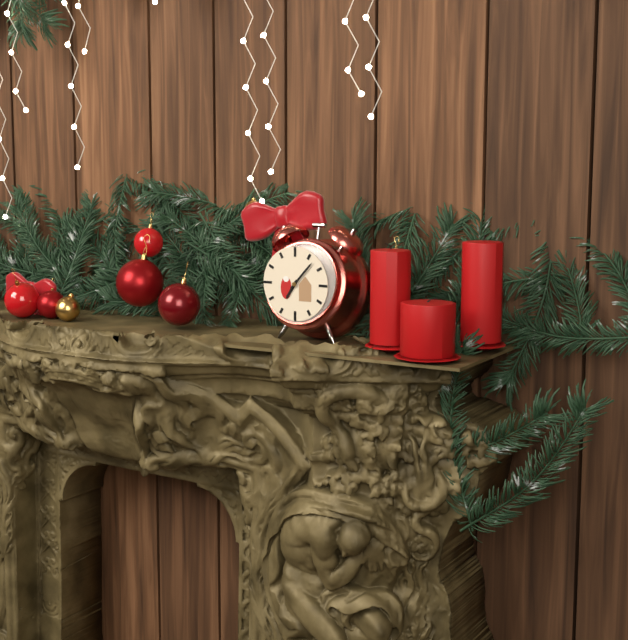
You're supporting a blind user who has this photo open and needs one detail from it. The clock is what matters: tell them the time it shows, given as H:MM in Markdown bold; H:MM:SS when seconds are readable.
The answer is **7:07**
